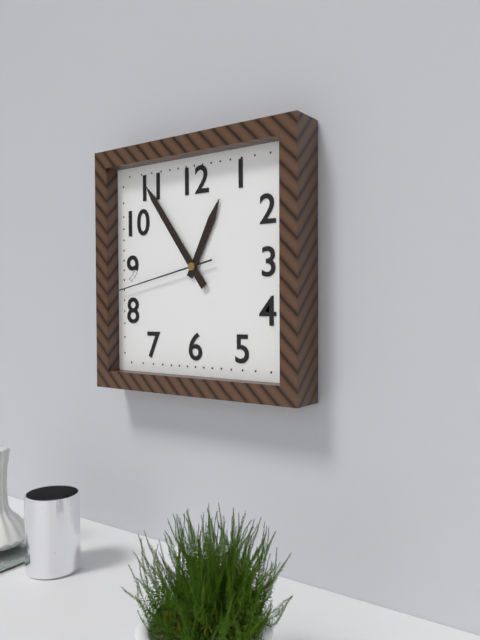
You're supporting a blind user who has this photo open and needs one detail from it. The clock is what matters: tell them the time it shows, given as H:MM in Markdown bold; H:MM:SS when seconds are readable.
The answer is **12:54:43**
